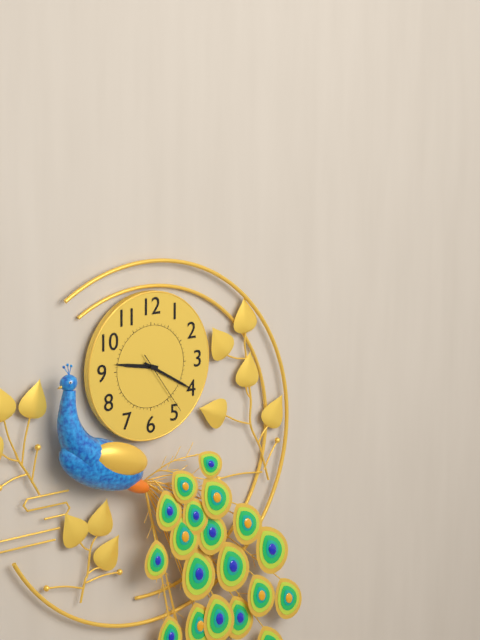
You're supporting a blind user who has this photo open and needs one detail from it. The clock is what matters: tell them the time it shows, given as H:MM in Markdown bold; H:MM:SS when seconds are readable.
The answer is **9:20:24**
